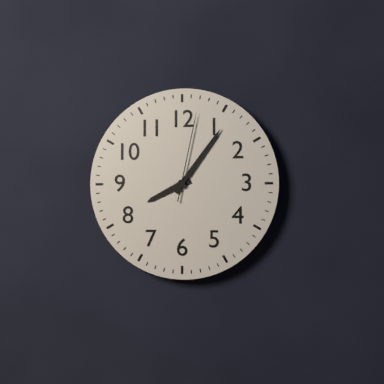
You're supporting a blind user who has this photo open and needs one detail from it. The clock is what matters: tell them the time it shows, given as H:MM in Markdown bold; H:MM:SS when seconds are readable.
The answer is **8:06:02**
